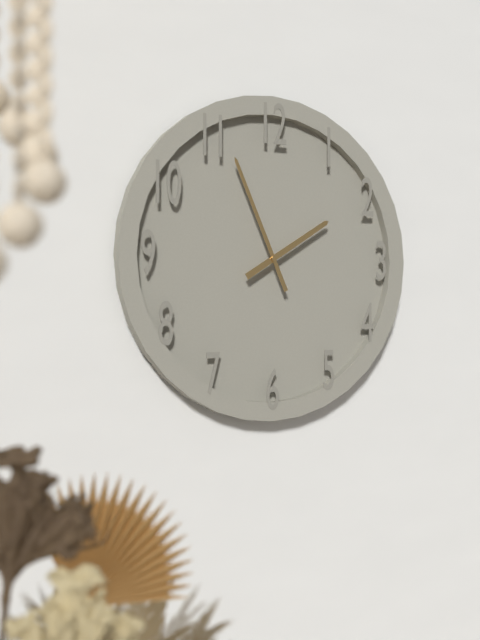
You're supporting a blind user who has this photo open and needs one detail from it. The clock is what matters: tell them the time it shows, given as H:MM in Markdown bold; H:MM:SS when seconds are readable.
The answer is **1:56**
